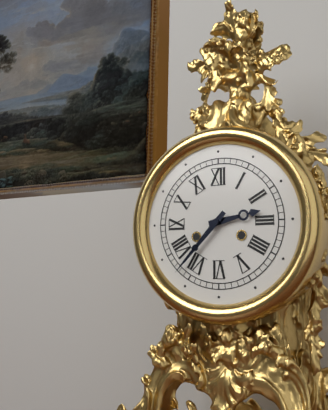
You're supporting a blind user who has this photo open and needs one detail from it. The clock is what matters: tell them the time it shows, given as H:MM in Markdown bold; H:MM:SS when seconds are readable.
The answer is **2:37**
